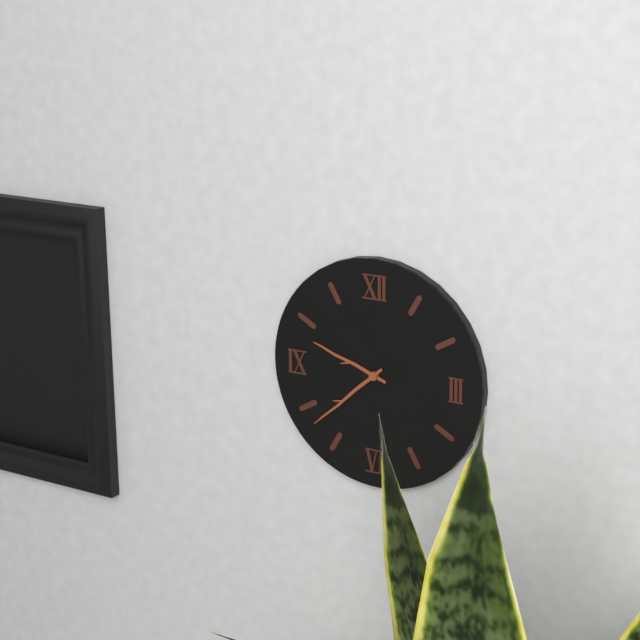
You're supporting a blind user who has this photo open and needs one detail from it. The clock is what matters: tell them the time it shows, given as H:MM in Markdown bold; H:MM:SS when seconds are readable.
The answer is **9:38**
